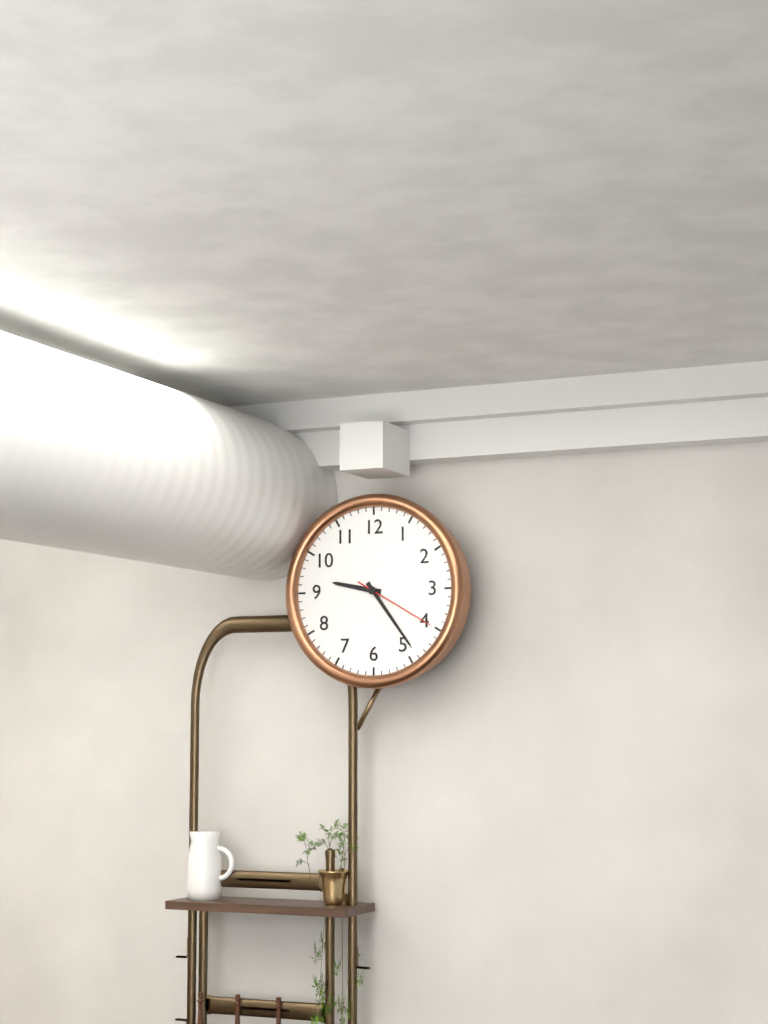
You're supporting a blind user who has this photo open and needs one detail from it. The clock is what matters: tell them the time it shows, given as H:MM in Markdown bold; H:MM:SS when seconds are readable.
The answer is **9:24:20**
